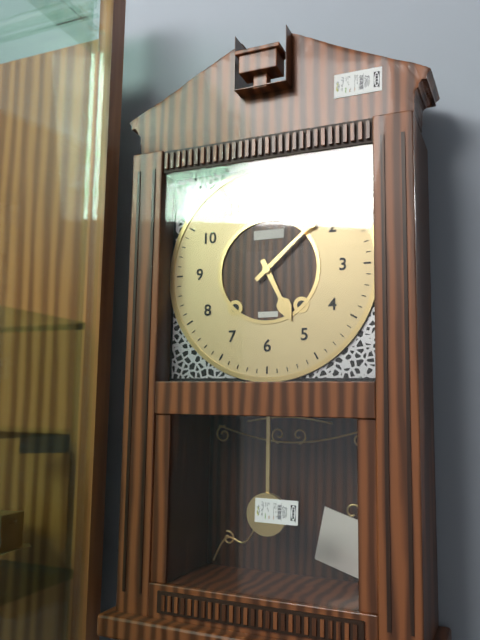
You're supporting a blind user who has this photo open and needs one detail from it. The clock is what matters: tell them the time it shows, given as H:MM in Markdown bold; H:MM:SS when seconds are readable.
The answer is **5:08**
